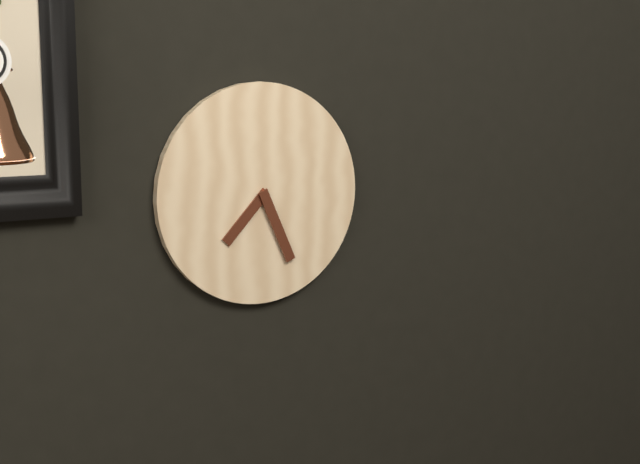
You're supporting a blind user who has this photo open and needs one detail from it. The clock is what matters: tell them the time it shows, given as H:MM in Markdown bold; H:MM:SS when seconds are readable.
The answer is **7:26**
